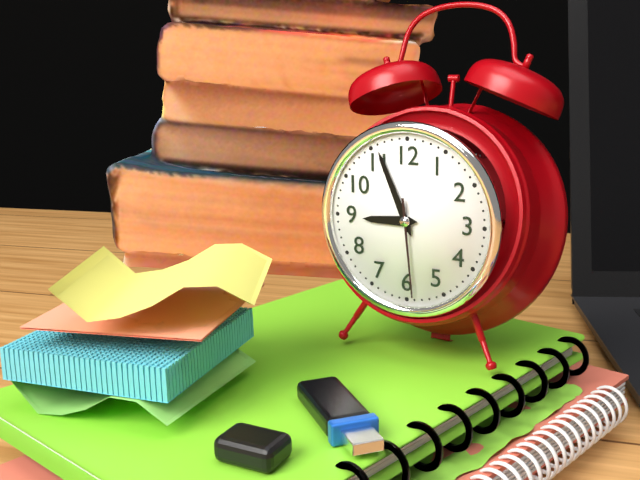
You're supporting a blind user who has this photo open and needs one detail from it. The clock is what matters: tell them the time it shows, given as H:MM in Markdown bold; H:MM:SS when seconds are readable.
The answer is **8:56:29**
